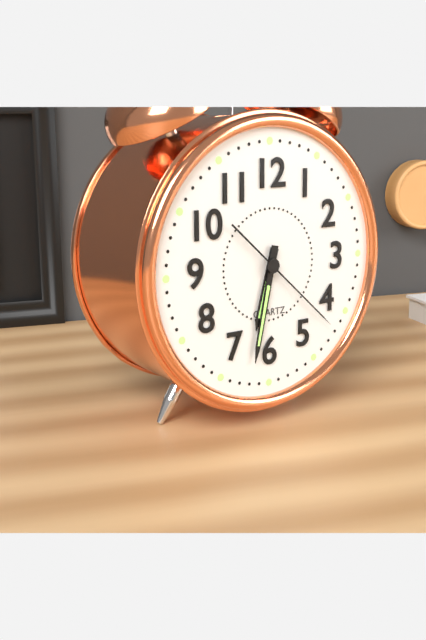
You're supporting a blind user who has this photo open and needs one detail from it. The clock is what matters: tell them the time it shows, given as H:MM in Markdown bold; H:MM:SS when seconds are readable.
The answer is **6:32:22**
